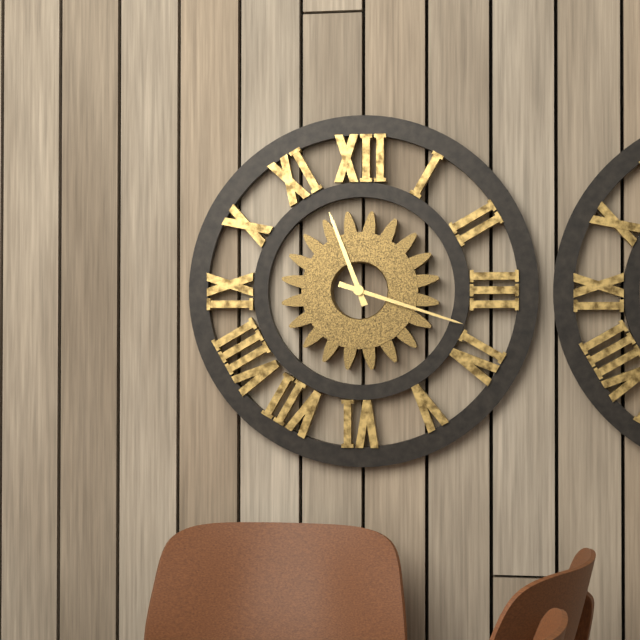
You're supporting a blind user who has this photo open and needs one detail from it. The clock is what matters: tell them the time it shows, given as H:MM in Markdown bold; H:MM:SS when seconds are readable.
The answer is **11:18**
